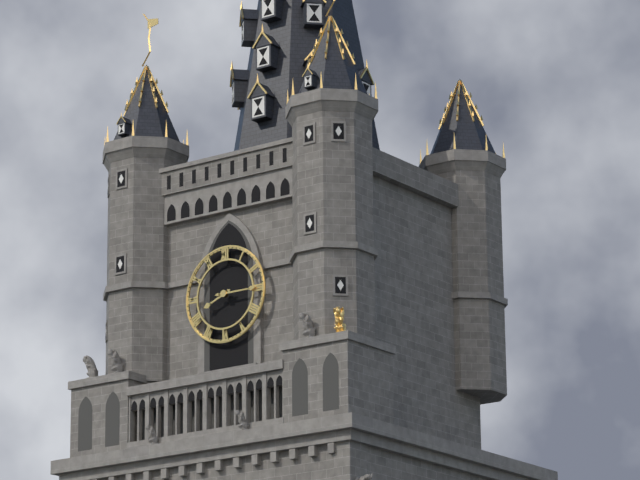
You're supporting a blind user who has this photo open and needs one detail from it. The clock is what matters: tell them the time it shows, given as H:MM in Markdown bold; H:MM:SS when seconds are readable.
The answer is **8:15**
